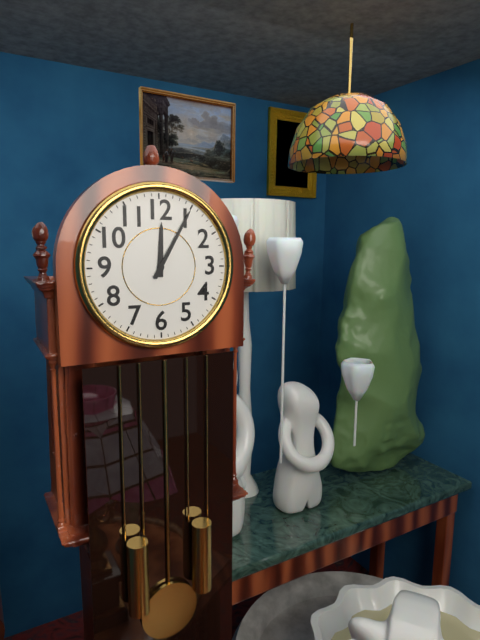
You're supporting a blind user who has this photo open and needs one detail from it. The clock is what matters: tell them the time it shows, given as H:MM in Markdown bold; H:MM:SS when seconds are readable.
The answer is **12:05**
